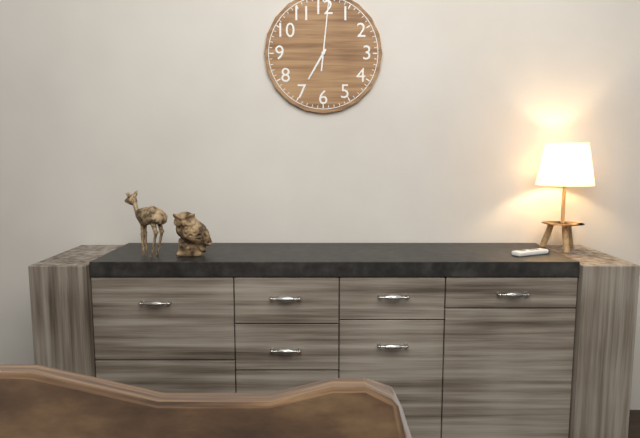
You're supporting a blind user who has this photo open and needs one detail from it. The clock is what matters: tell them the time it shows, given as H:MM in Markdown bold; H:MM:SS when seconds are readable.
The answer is **7:01**
